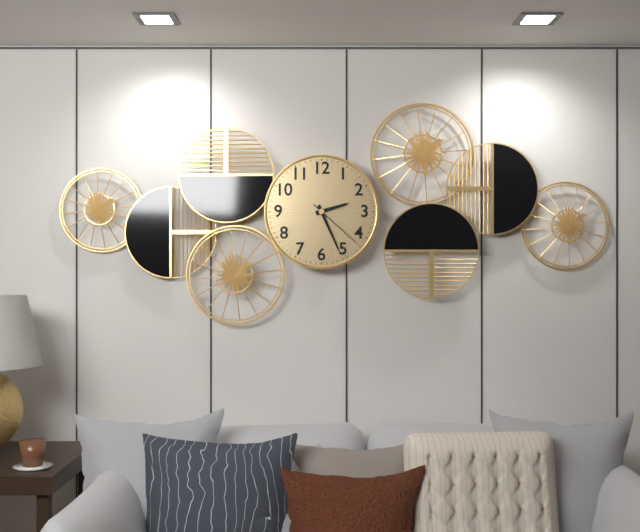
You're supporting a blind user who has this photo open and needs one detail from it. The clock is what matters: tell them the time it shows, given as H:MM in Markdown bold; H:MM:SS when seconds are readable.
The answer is **2:26:22**
